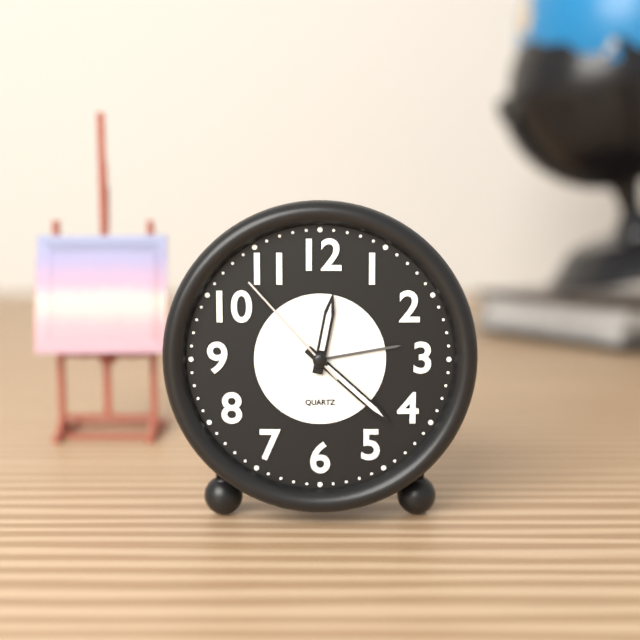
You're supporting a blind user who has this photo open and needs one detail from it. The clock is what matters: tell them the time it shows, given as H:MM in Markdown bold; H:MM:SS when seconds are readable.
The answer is **12:22:53**
